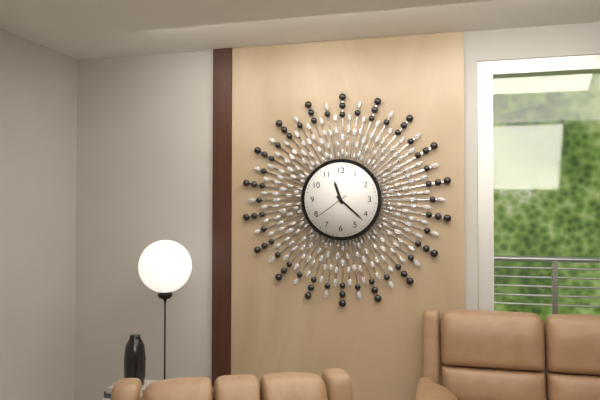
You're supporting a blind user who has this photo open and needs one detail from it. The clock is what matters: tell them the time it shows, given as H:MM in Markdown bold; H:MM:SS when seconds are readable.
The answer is **11:22**
